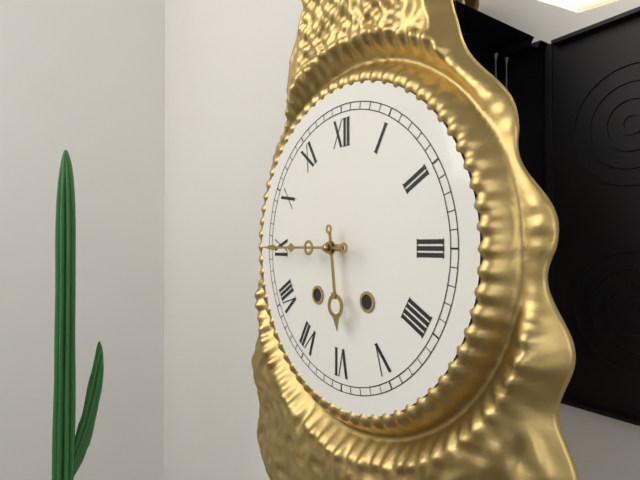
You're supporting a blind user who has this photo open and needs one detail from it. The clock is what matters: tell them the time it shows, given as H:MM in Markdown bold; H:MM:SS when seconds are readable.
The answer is **5:45**
